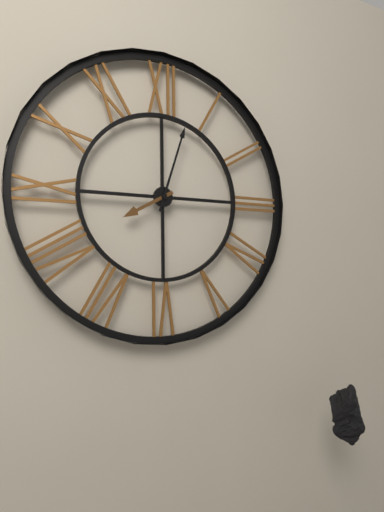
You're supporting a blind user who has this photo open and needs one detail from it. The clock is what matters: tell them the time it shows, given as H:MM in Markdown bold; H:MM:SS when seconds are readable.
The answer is **8:03**
